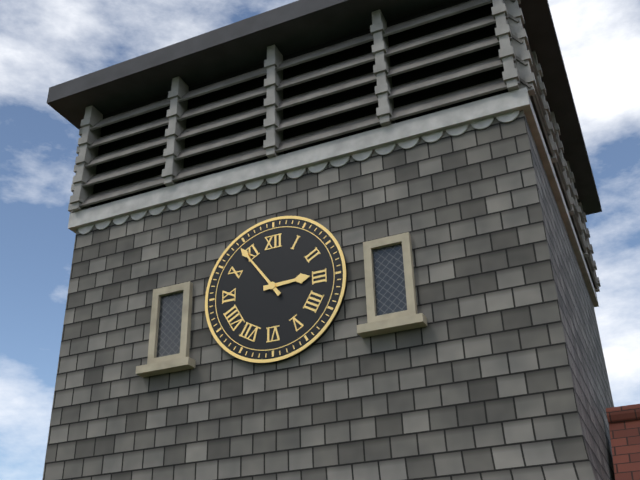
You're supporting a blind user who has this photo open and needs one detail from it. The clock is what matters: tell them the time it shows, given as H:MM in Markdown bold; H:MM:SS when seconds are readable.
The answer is **2:54**
